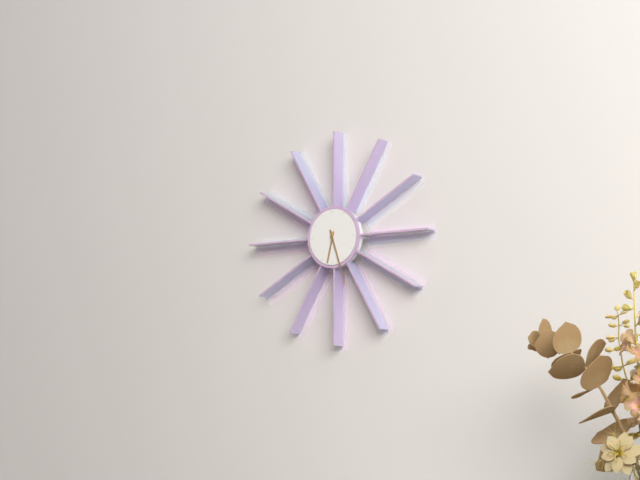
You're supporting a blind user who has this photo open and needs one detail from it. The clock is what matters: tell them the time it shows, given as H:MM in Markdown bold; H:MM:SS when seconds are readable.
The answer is **6:27**
